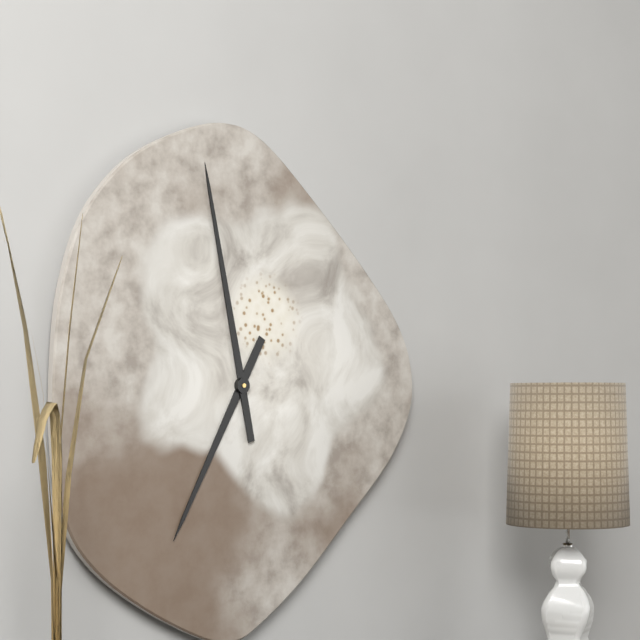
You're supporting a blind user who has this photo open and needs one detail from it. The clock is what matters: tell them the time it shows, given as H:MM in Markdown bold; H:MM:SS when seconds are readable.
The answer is **6:58**
